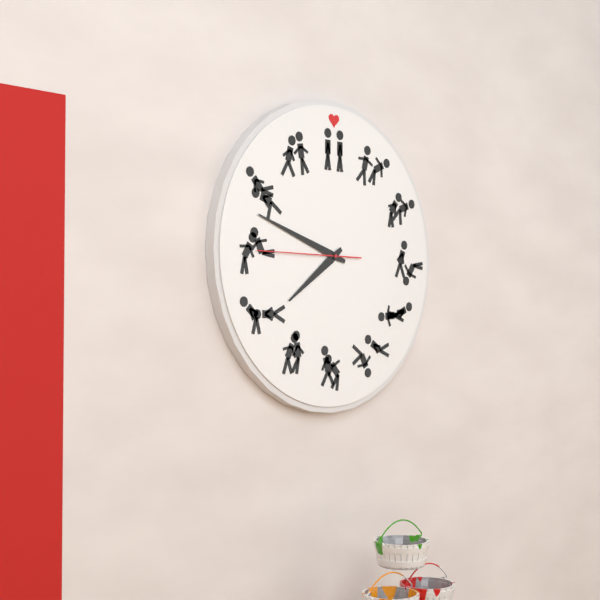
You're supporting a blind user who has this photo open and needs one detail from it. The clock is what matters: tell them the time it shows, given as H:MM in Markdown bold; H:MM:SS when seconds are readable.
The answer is **7:48:45**
